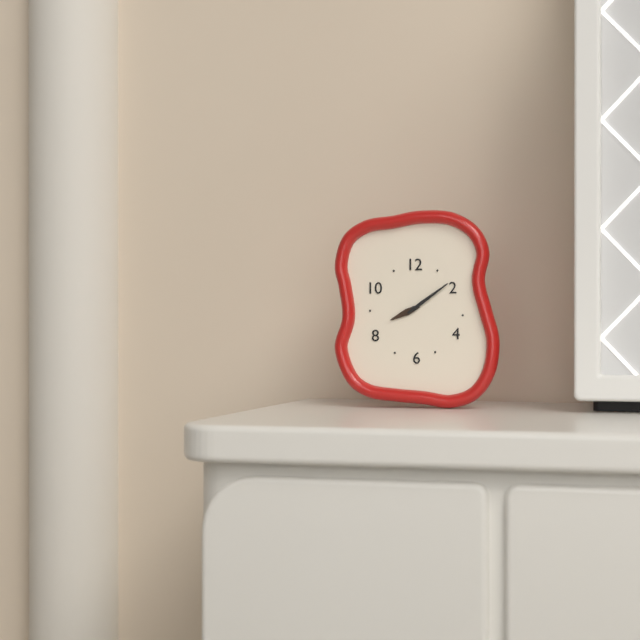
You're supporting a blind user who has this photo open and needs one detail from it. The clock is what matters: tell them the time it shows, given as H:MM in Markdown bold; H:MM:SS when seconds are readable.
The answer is **8:09**
